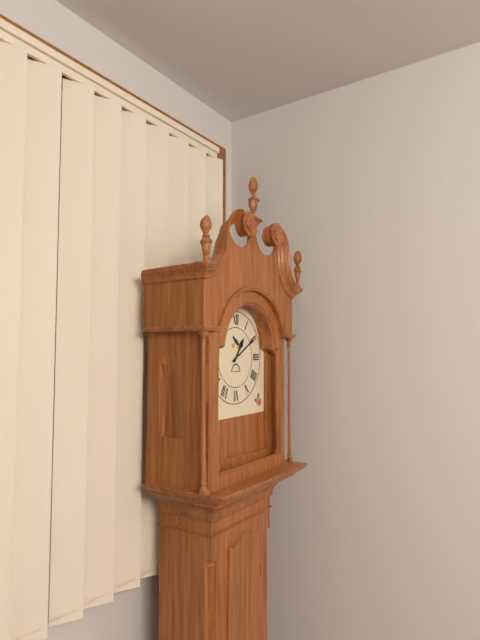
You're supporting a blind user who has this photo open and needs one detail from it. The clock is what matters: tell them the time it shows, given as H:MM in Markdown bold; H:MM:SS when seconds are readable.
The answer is **1:10**
